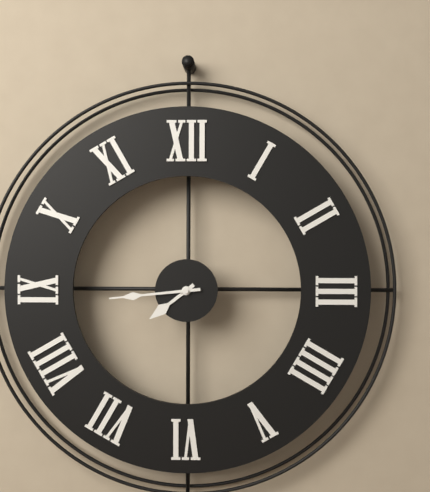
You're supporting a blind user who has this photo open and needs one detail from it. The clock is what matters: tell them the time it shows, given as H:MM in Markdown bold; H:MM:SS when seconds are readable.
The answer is **7:44**
